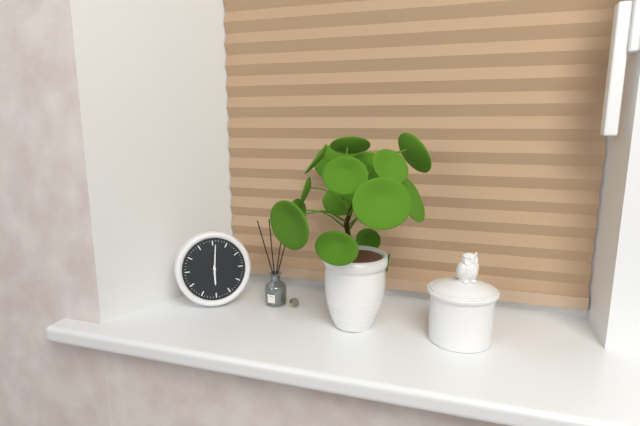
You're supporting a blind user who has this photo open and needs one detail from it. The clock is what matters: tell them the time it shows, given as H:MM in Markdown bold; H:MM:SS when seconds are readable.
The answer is **6:01**
